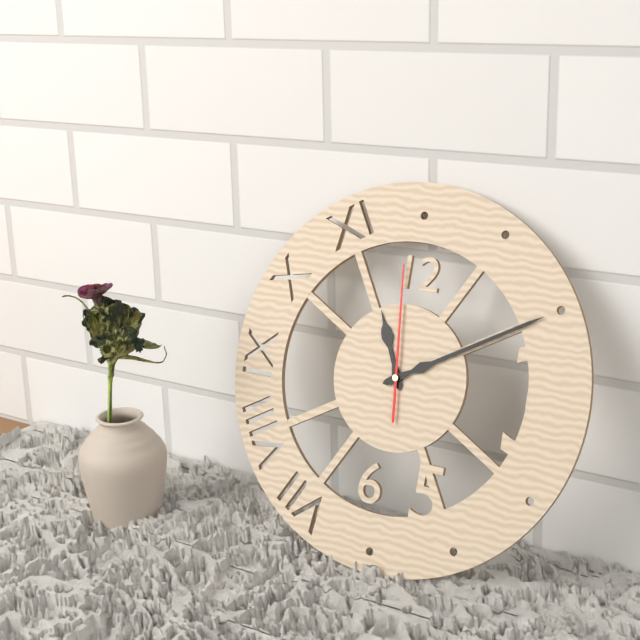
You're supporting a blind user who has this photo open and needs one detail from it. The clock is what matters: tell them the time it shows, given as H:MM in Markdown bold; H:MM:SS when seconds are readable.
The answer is **11:10:59**
